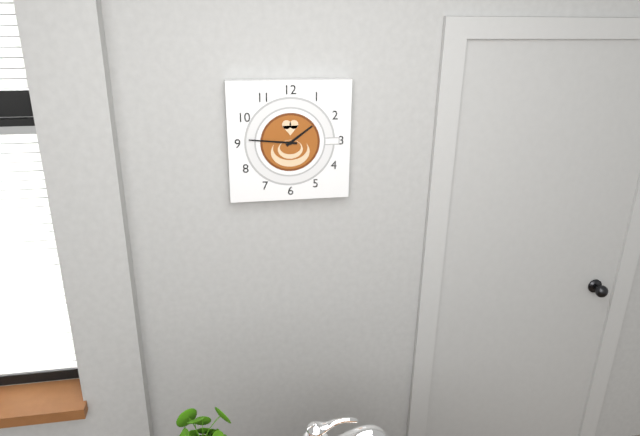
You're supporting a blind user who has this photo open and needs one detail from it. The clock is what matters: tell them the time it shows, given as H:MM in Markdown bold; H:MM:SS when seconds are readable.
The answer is **1:46**
